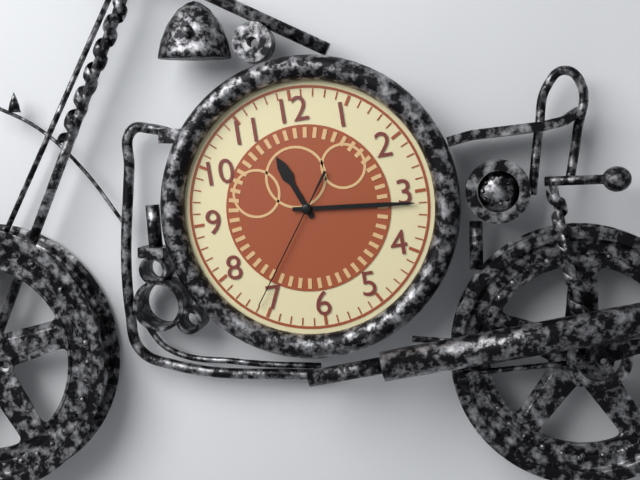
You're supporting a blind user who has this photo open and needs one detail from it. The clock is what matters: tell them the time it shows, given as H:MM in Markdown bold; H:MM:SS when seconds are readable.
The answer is **11:16:36**
